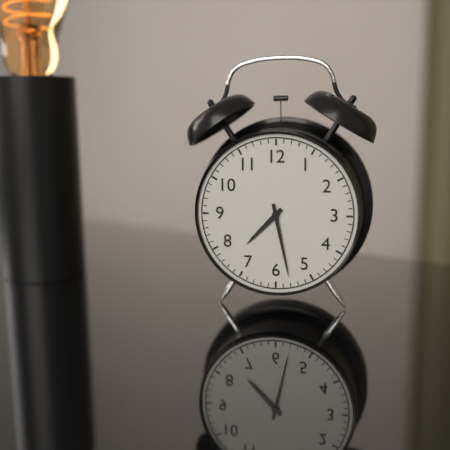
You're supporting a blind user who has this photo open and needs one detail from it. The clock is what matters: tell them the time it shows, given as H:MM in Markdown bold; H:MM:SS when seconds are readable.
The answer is **7:28**
